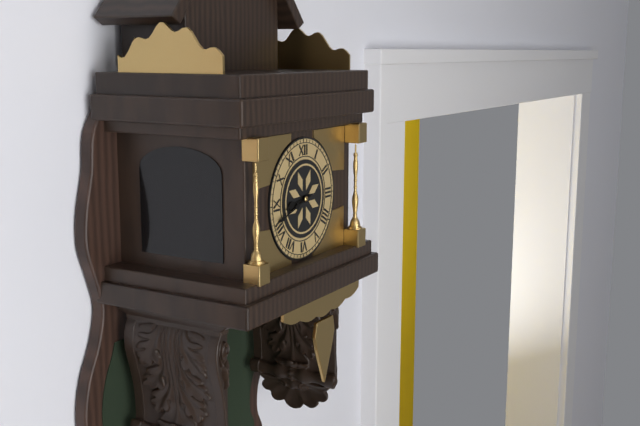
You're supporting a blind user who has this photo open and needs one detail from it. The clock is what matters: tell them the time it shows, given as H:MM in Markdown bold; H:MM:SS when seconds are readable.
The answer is **8:42**
